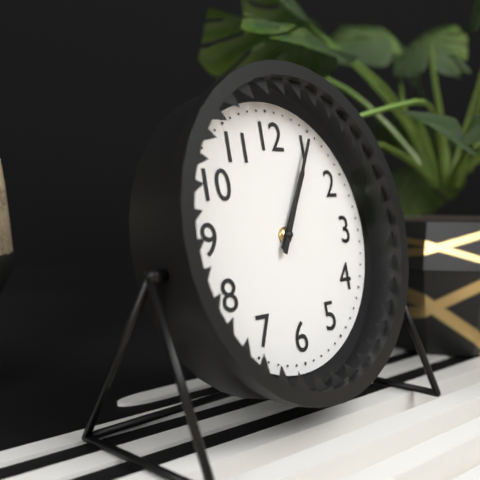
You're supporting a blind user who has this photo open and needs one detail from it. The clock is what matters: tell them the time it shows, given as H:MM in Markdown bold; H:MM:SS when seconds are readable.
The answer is **1:05**
